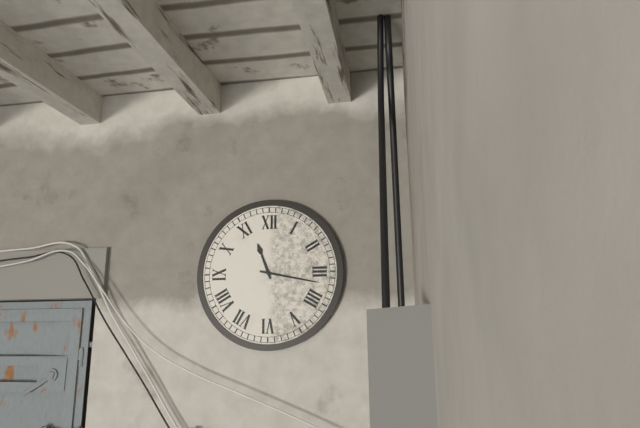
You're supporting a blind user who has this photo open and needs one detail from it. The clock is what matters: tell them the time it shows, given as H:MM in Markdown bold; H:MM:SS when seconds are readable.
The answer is **11:17**
